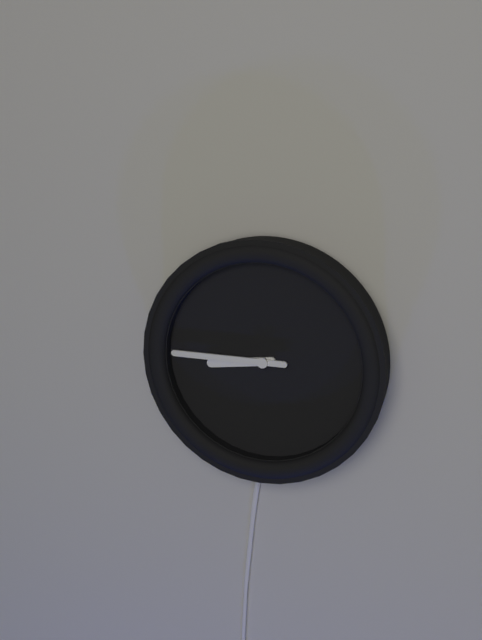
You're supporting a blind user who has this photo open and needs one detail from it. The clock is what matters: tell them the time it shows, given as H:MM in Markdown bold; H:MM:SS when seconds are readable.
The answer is **8:45**
